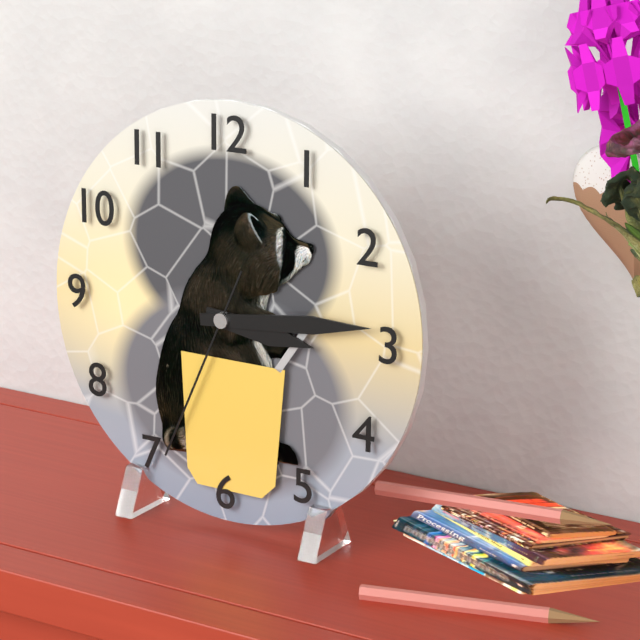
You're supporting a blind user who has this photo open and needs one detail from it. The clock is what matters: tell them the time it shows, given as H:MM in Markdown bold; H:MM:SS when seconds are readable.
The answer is **3:14:34**
